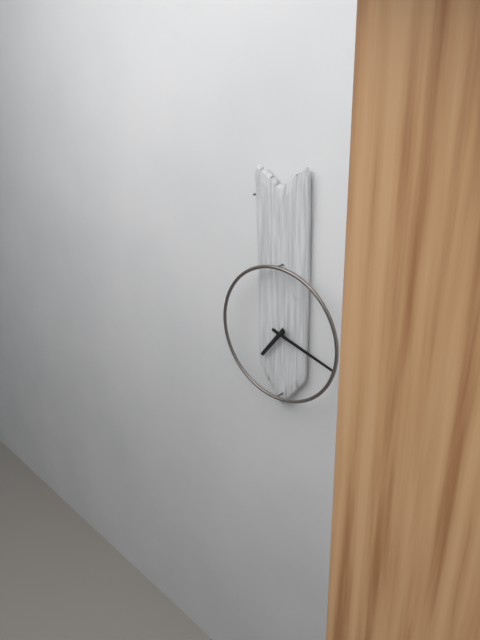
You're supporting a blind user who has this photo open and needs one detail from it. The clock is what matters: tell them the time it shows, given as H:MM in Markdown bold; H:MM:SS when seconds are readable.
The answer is **7:18**
